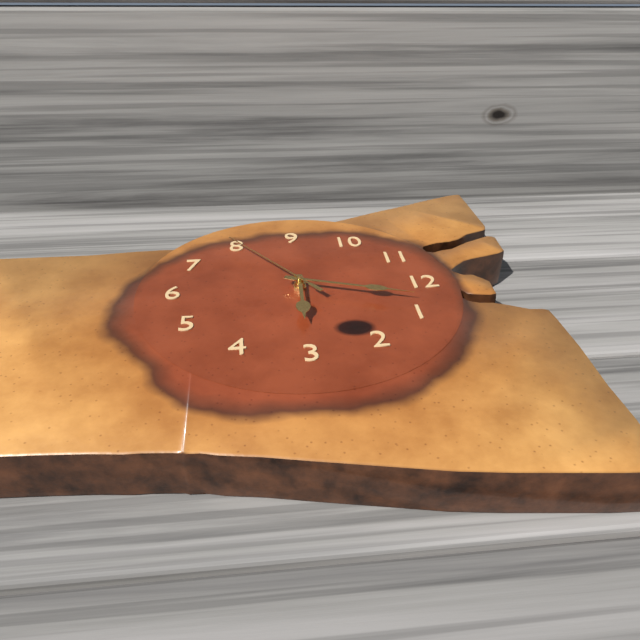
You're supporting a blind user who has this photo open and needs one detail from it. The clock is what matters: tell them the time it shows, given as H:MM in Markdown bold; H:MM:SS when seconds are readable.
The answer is **3:03:39**
